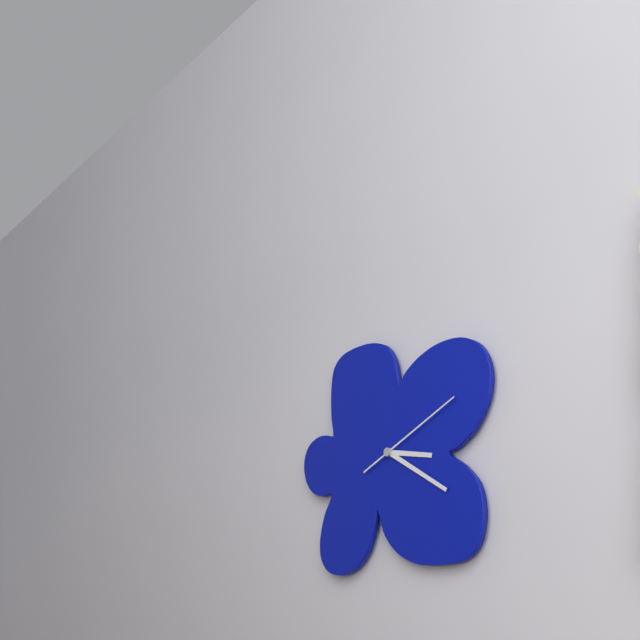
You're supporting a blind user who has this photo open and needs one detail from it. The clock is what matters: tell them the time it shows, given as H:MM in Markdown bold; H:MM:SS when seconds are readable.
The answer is **3:20:11**
